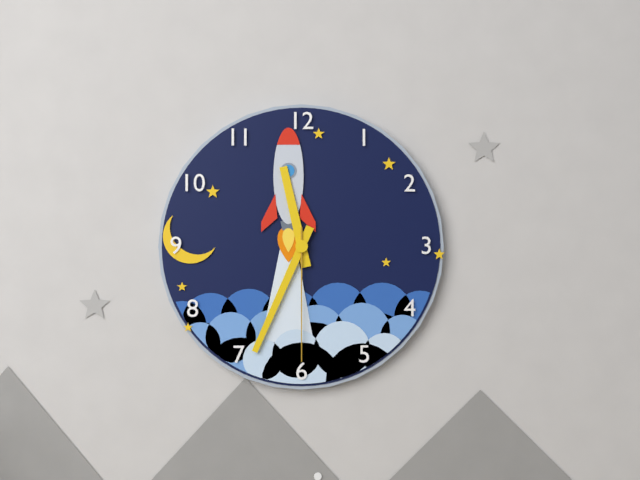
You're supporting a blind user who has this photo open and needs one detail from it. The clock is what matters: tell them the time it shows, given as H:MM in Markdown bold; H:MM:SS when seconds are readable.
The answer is **11:34:30**
